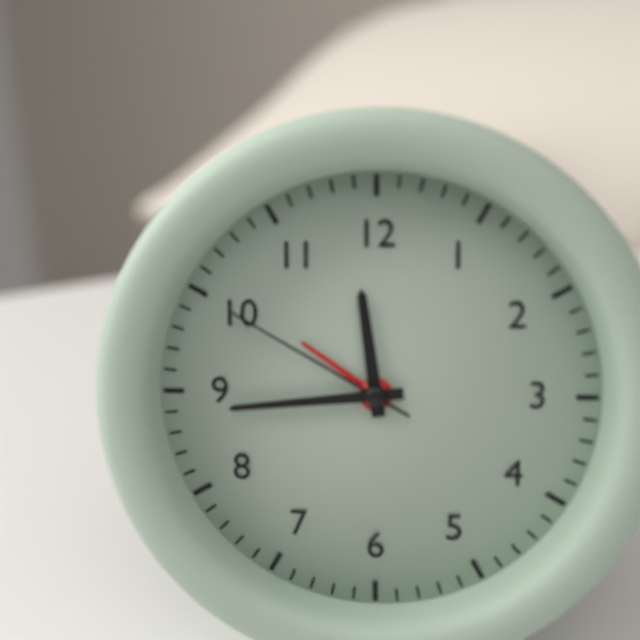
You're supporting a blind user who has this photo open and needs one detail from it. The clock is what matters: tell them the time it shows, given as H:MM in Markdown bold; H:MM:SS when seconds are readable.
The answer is **11:44:50**
